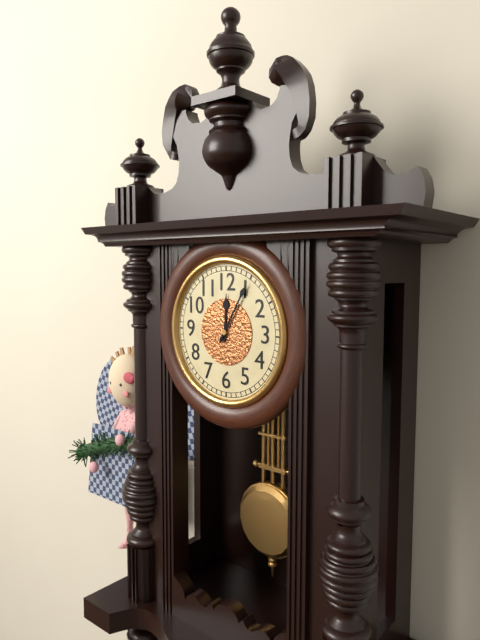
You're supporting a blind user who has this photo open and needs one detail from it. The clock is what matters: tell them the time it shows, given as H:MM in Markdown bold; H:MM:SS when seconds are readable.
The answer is **12:05**
